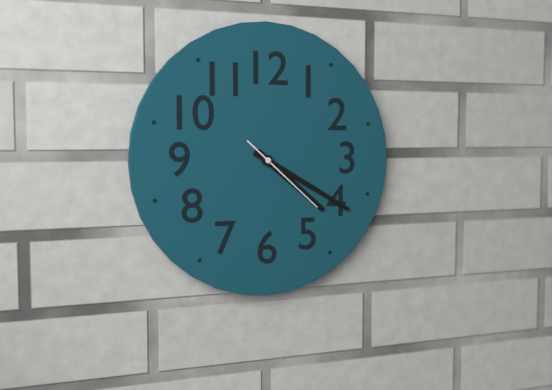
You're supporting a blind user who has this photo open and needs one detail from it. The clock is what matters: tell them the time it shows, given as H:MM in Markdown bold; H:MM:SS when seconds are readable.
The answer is **4:20:22**
